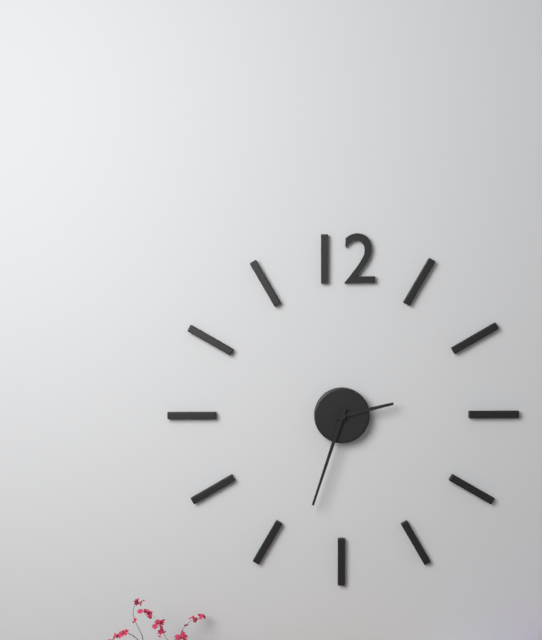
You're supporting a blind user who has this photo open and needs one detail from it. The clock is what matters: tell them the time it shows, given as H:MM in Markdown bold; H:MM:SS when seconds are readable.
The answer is **2:33**
